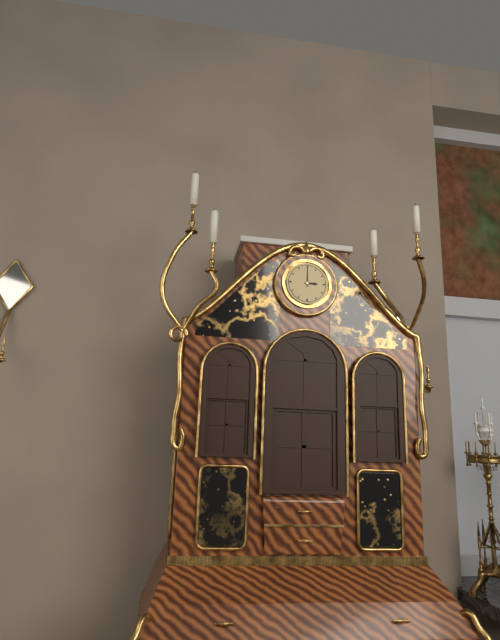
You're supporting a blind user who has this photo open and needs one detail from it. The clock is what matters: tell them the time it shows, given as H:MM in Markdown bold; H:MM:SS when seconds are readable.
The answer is **3:00**
